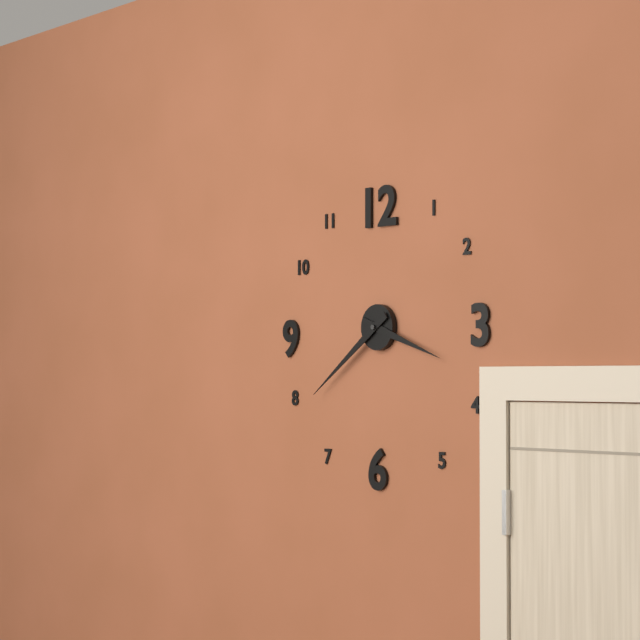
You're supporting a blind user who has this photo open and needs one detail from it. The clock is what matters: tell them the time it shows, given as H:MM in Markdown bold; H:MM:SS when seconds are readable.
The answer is **3:39**
